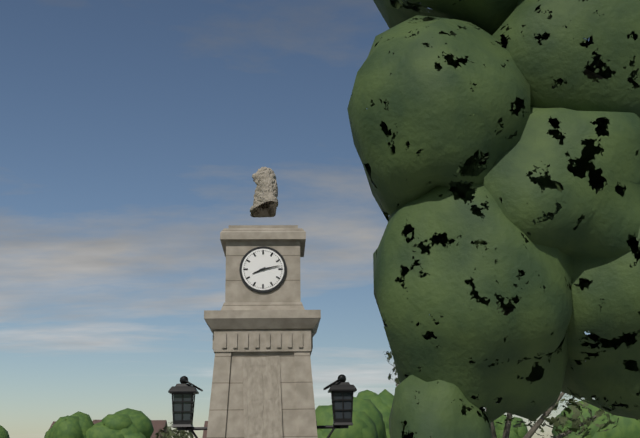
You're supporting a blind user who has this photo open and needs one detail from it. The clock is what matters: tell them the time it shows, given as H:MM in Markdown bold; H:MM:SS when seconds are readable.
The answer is **8:13**
